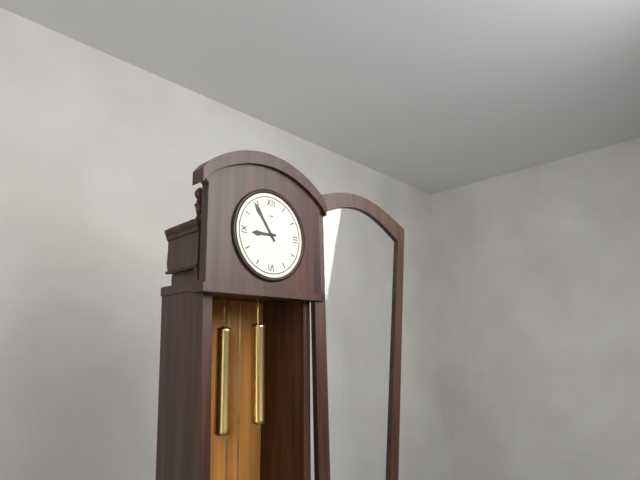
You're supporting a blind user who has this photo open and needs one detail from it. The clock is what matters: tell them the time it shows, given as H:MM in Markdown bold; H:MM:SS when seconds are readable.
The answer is **8:54**
